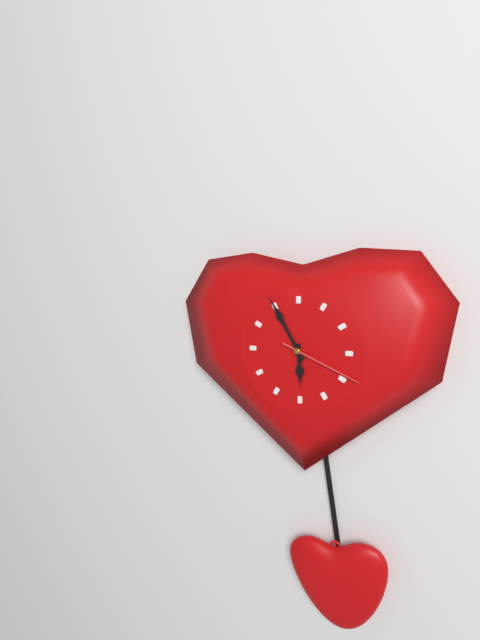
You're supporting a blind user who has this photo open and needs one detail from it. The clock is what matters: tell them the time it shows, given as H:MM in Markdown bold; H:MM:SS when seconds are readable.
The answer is **5:55:19**
